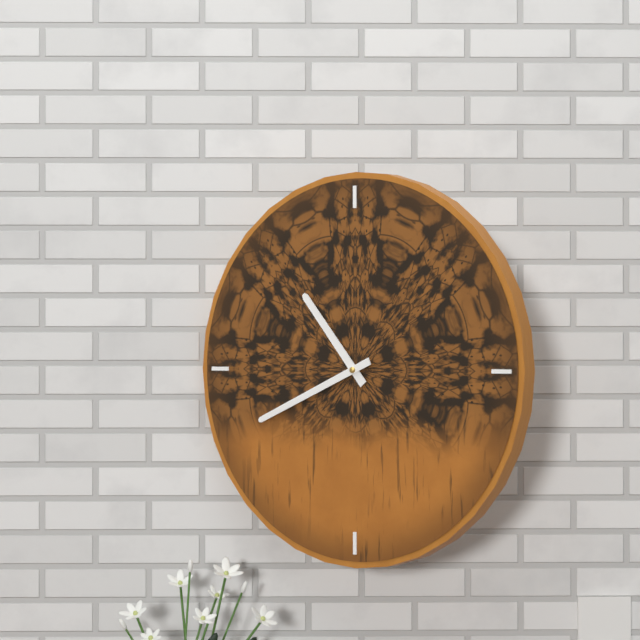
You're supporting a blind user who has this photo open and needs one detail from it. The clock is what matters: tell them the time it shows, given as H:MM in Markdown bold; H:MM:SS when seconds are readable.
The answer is **10:41**
